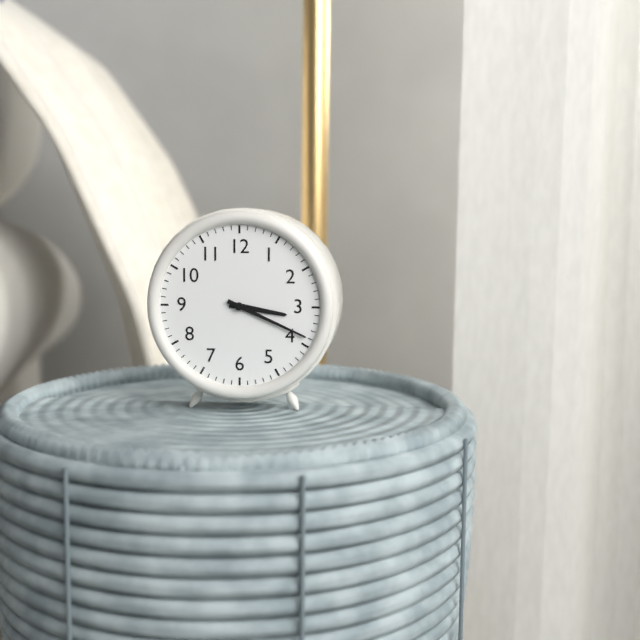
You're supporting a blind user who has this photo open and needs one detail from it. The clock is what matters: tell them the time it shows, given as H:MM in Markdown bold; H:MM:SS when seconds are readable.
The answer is **3:19**
